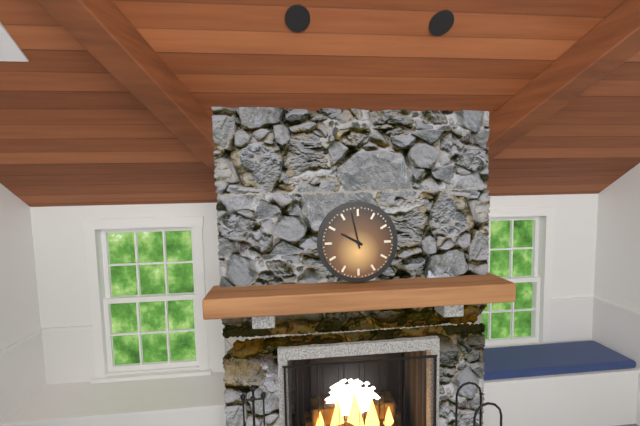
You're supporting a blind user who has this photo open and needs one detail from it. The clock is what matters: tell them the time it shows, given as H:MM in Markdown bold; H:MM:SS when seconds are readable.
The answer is **9:58**
